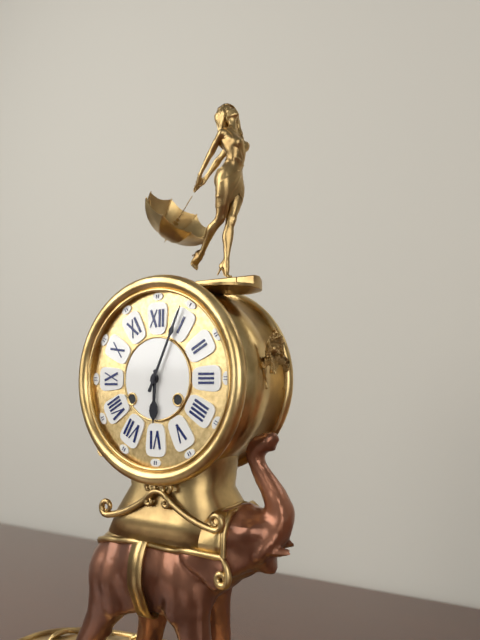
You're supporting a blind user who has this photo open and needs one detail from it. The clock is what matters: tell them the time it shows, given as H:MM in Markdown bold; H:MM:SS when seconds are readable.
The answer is **6:04**
